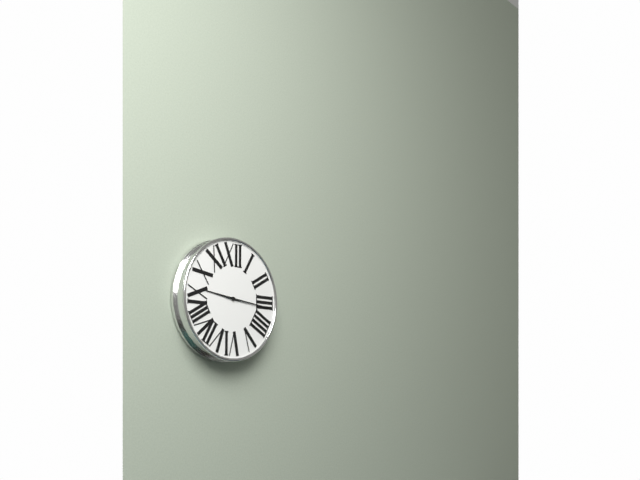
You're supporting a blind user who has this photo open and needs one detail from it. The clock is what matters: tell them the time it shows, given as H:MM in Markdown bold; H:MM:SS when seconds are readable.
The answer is **9:16**
